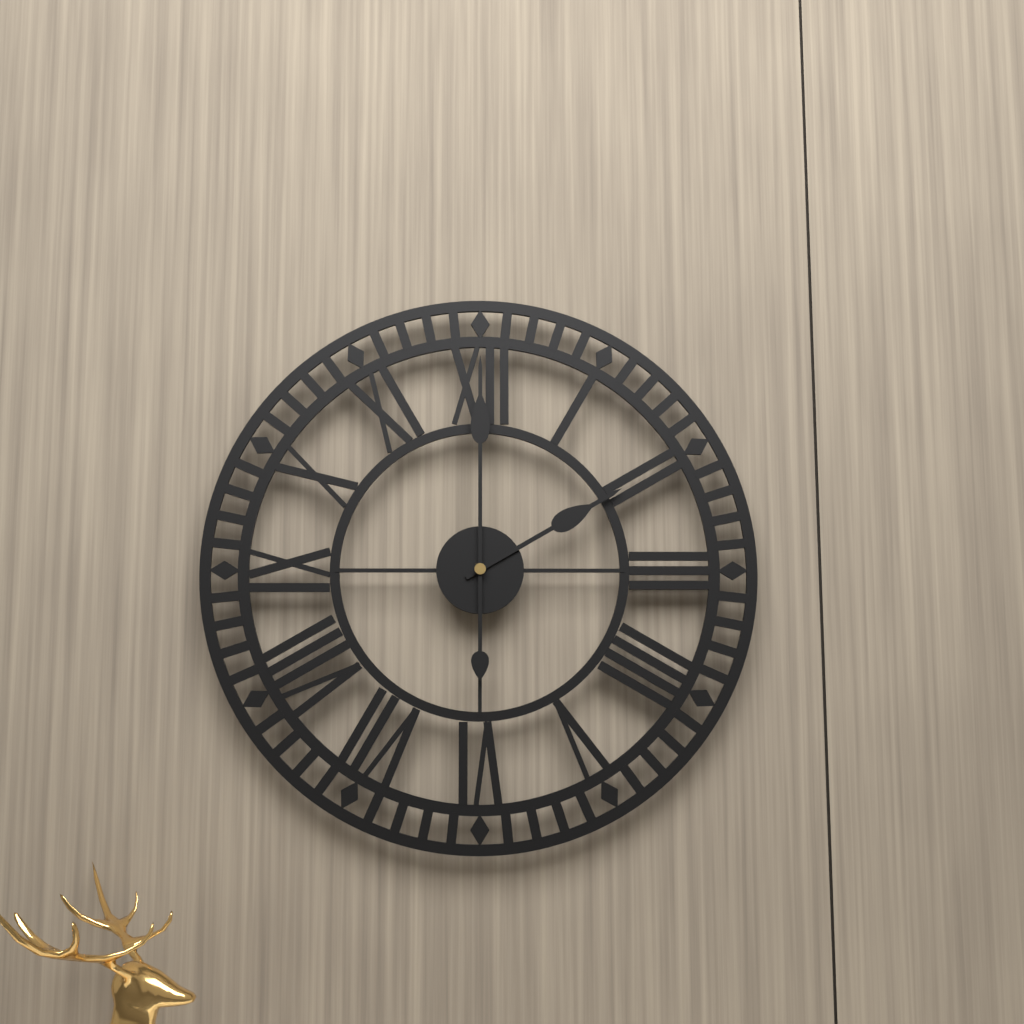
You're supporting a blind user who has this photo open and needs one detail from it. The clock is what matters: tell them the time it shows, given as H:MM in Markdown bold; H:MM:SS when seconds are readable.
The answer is **2:00**
